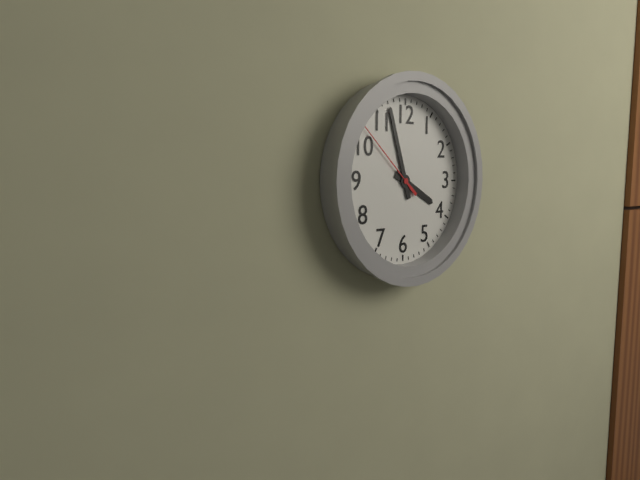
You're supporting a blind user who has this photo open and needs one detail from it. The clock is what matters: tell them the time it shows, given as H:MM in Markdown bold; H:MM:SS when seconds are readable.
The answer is **3:57:52**
